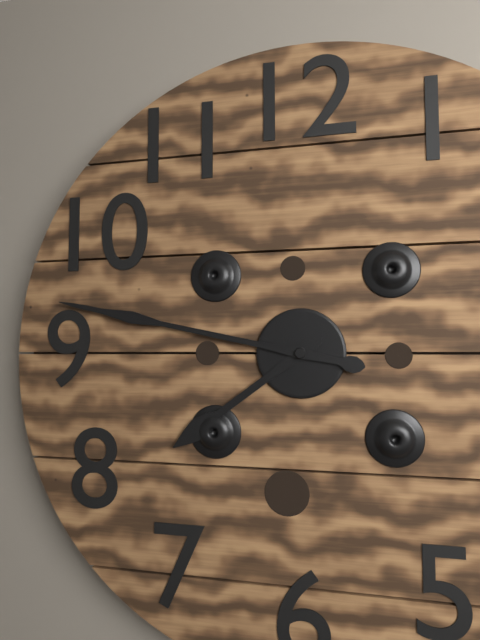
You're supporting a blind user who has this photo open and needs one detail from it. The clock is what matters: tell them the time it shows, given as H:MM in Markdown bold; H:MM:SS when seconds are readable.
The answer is **7:47**
